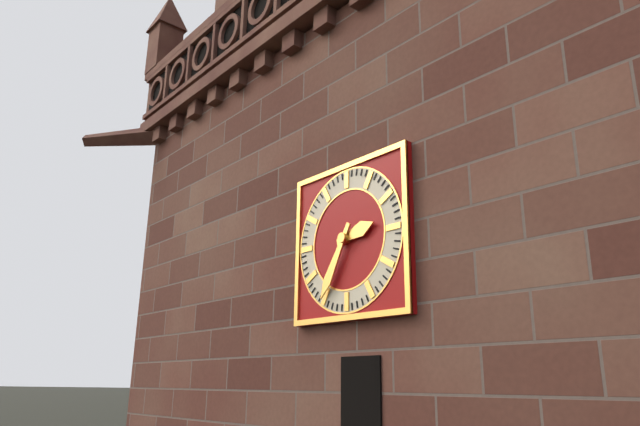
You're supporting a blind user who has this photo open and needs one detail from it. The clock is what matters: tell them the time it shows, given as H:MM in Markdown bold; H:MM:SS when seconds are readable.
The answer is **2:35**
